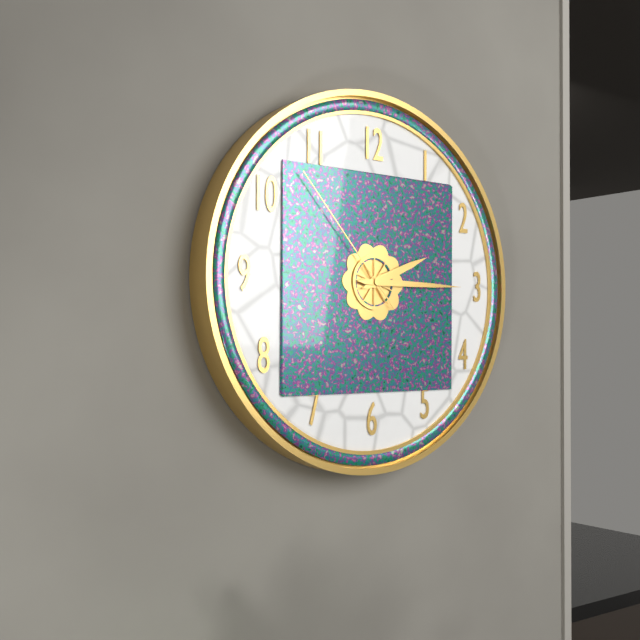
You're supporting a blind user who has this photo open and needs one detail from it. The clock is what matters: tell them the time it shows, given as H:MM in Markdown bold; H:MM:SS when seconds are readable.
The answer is **2:15:53**
